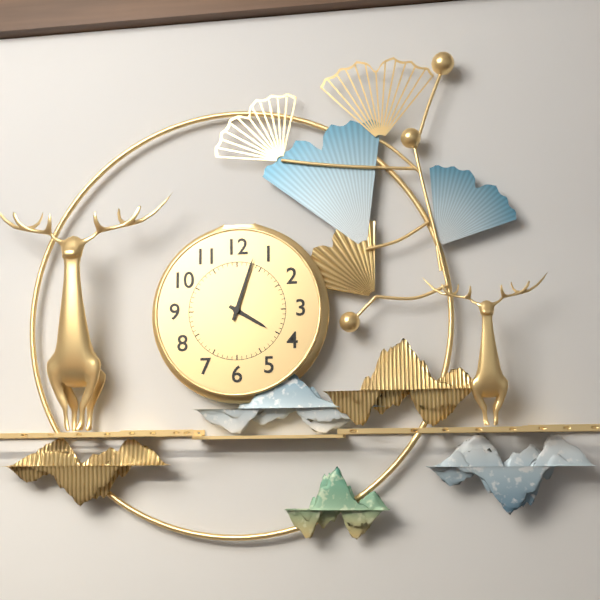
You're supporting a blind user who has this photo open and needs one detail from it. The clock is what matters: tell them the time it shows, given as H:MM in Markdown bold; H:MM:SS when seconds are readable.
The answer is **4:03**
